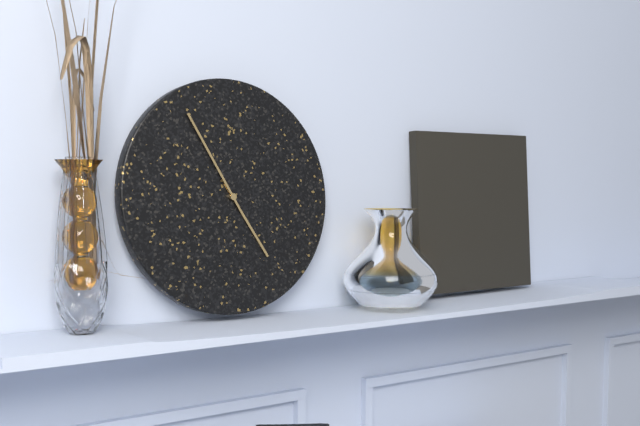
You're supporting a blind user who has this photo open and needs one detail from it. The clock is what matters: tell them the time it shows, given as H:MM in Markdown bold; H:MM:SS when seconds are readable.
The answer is **4:55**
